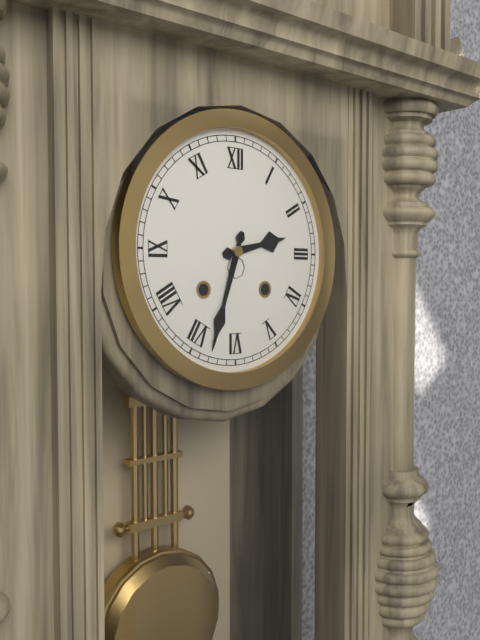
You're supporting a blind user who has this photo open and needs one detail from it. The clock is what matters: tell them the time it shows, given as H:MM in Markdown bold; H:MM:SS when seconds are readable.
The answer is **2:33**
